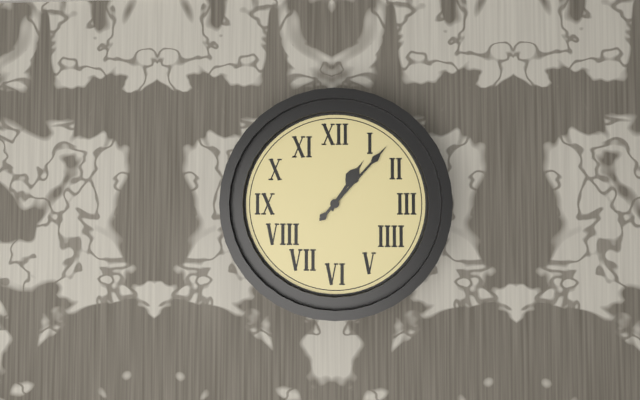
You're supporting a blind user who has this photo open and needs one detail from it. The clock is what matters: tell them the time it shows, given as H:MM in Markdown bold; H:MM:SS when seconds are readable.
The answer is **1:07**
